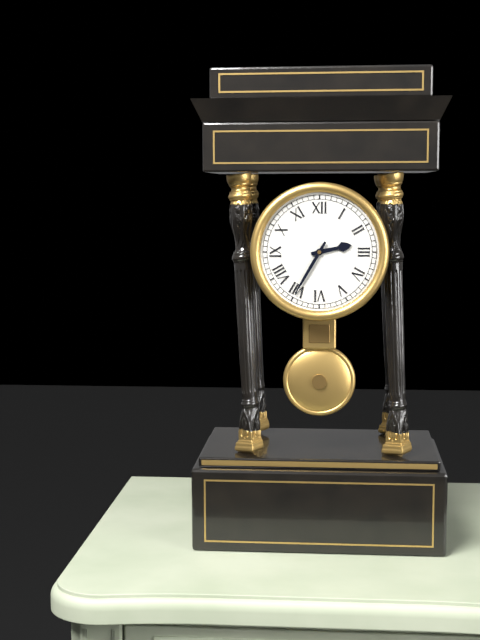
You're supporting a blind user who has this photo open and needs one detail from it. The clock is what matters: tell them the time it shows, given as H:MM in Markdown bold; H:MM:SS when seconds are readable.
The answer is **2:35**
